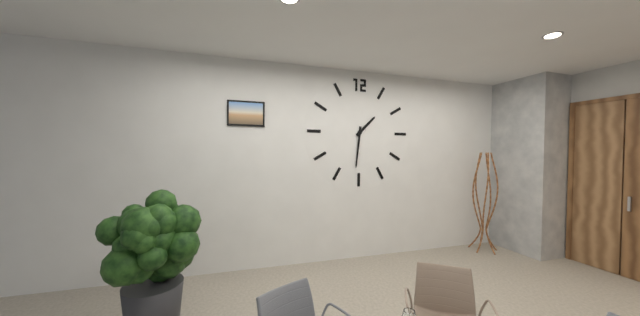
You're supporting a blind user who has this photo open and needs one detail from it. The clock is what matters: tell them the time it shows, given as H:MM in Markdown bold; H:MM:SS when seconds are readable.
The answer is **1:31**
